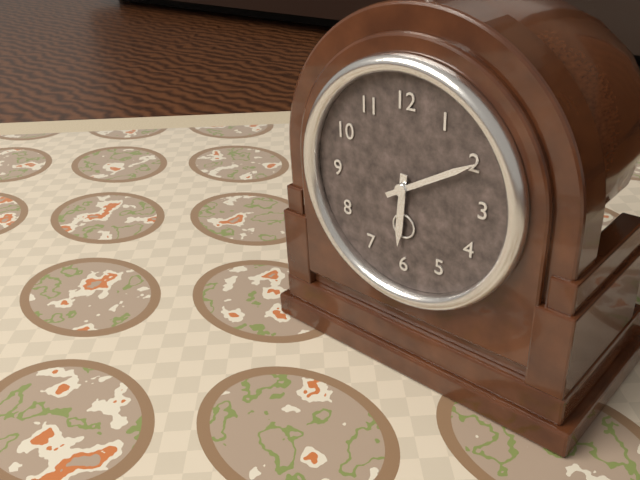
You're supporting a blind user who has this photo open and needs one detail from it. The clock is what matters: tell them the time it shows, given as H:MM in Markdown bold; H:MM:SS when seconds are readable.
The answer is **6:10**
